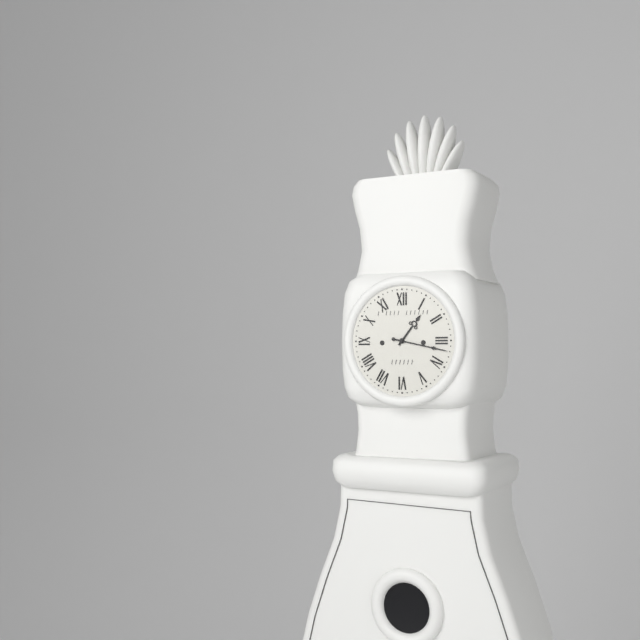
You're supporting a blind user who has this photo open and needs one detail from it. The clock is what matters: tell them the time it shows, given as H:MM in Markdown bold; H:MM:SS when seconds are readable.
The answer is **1:17**
